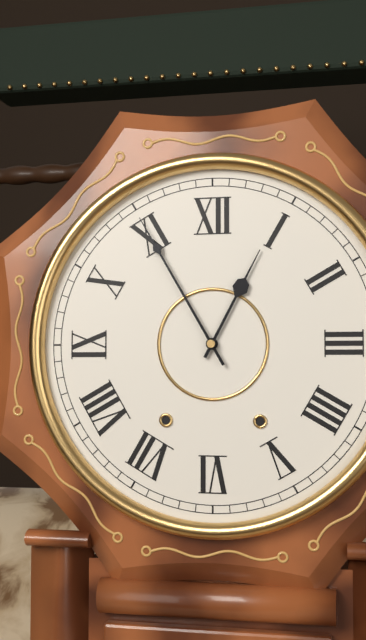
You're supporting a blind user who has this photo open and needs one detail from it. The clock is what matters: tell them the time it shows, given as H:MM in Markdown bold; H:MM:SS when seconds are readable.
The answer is **12:55**
